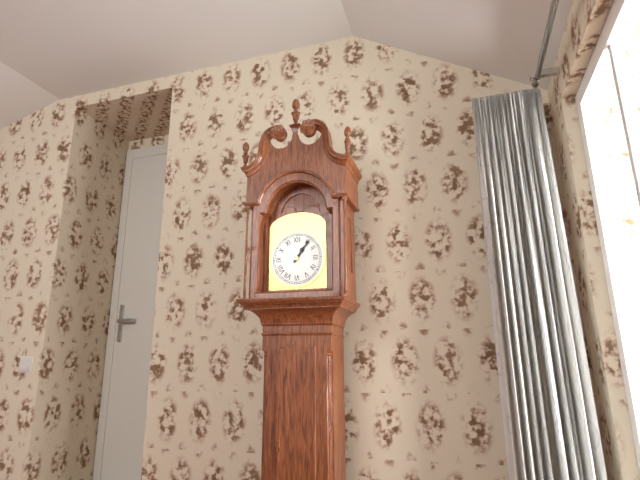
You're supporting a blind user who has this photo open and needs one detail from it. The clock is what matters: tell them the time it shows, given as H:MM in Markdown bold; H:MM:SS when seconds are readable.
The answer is **1:06**
